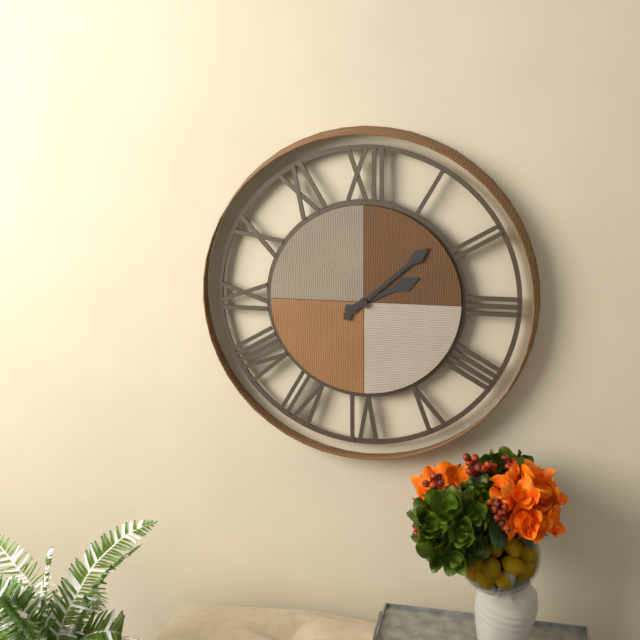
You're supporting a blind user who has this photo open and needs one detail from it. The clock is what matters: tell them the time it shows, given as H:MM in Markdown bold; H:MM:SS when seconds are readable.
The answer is **2:08**
